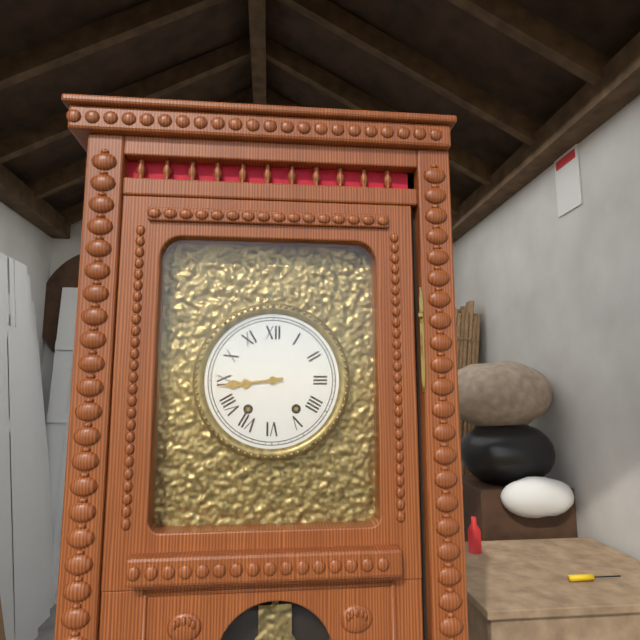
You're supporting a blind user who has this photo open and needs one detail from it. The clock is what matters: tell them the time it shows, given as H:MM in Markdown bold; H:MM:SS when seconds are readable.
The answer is **8:44**
